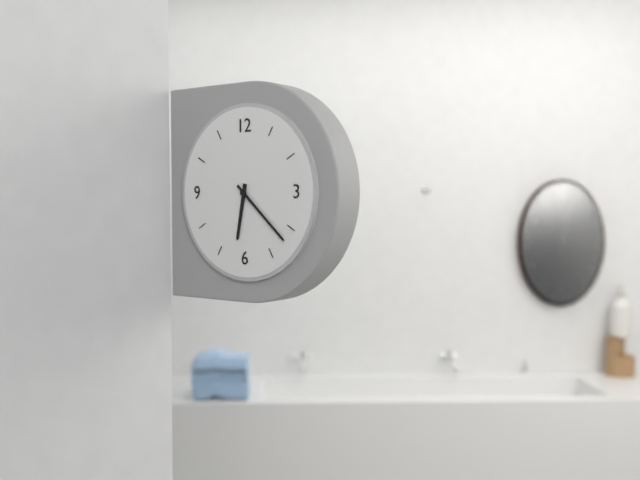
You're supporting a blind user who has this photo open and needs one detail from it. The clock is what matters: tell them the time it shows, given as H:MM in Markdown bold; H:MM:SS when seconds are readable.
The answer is **6:22**
